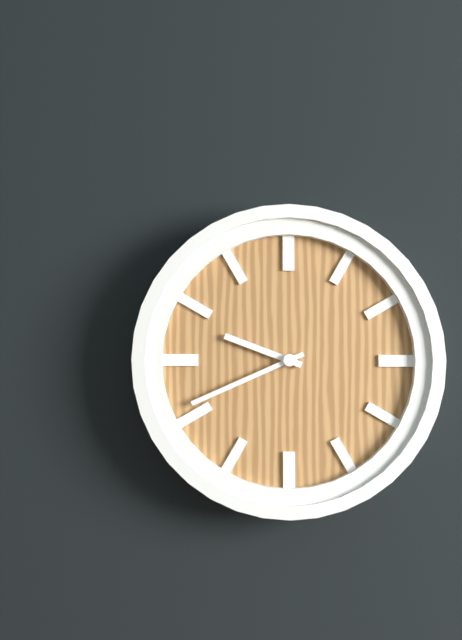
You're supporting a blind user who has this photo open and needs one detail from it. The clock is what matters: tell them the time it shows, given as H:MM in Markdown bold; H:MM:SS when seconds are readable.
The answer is **9:41**
